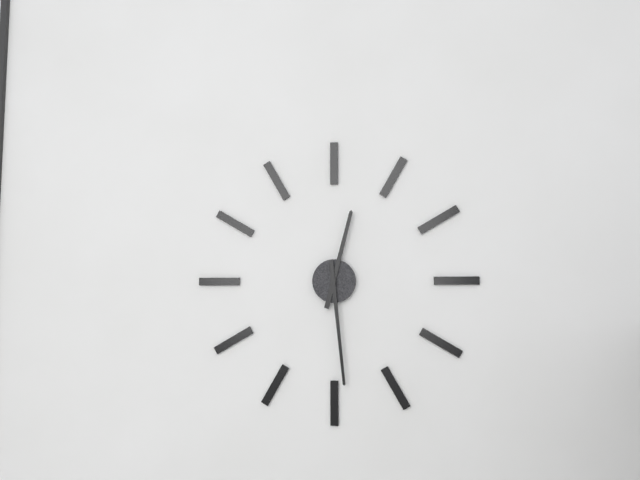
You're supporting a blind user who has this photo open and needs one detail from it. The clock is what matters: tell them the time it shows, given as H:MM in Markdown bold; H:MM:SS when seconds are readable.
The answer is **12:29**
